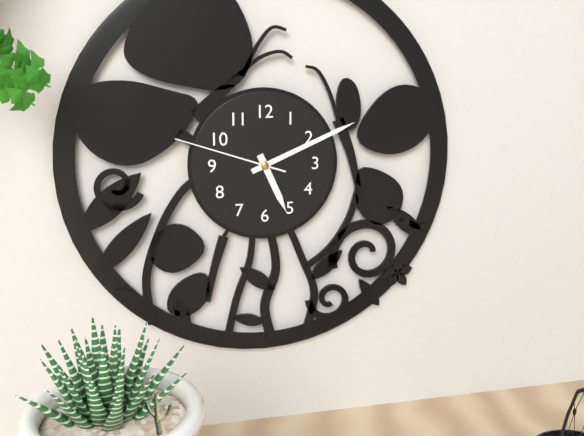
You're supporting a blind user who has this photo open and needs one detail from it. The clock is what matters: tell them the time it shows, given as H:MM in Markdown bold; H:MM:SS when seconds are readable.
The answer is **5:11:48**
